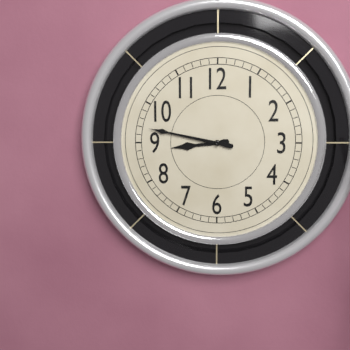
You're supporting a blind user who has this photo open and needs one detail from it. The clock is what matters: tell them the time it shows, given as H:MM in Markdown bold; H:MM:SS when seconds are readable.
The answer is **8:47**
